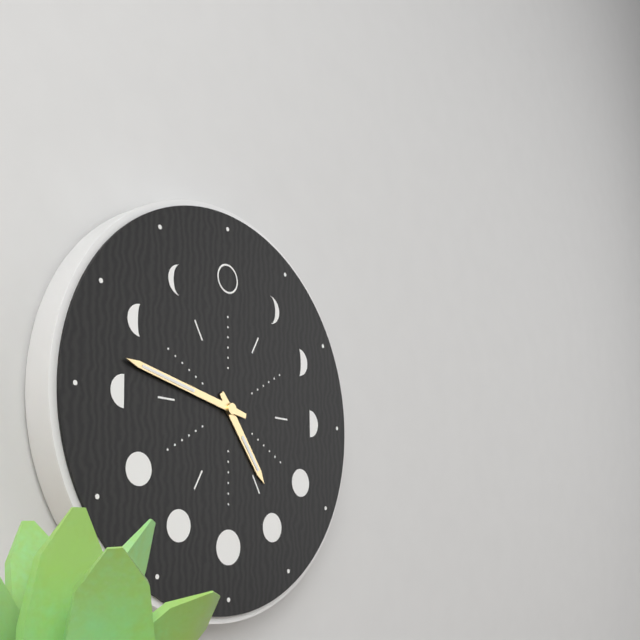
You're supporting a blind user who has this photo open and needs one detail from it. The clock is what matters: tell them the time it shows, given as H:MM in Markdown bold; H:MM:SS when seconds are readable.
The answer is **4:47**
